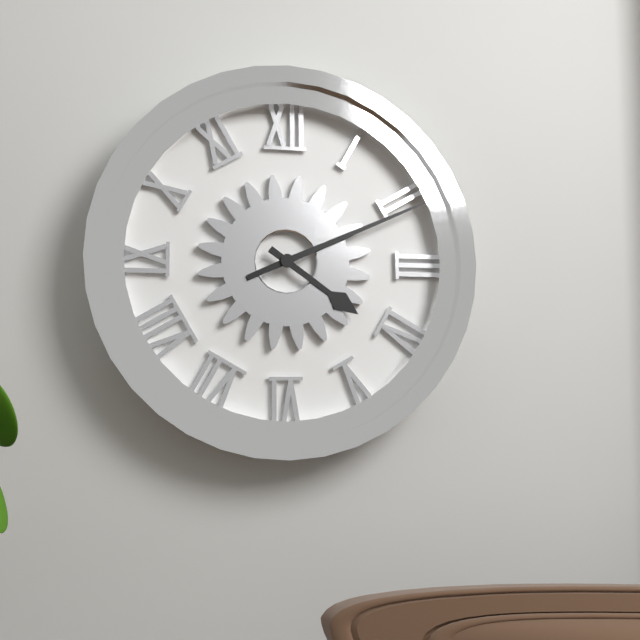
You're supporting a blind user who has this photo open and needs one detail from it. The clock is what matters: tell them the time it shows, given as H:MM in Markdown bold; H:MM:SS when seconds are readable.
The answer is **4:11**
